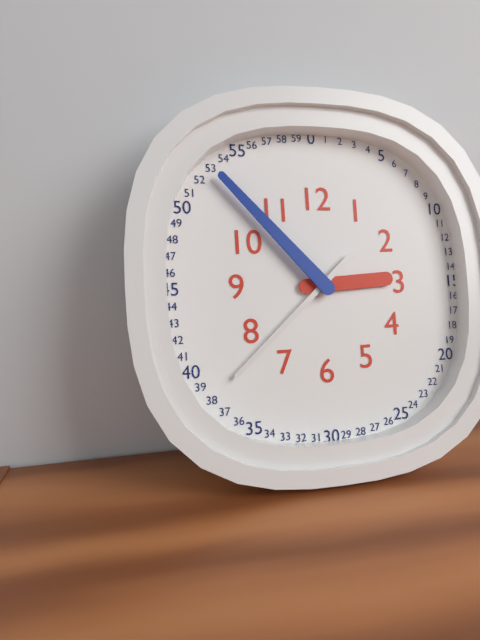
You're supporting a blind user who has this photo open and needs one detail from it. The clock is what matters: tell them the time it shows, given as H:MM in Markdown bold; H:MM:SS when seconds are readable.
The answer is **2:53:38**
